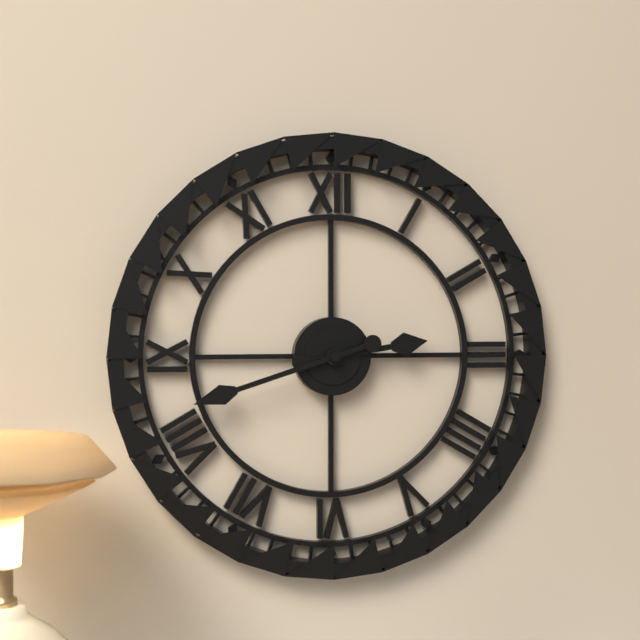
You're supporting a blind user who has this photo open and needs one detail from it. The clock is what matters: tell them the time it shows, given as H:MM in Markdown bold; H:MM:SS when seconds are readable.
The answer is **2:42**
